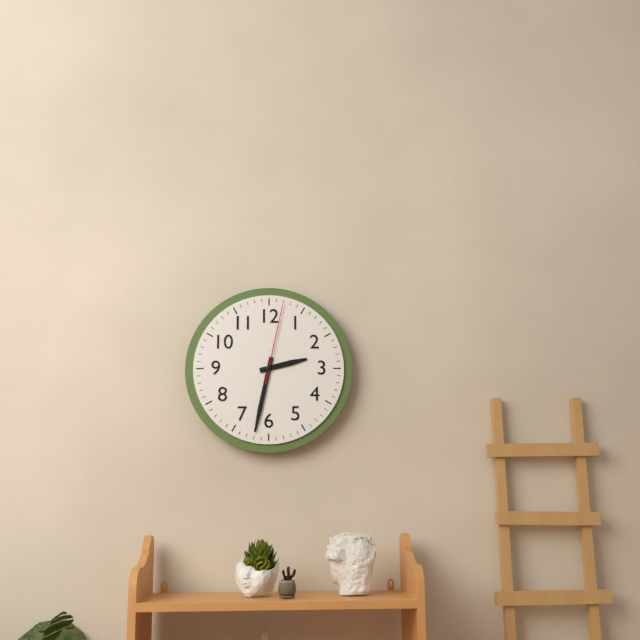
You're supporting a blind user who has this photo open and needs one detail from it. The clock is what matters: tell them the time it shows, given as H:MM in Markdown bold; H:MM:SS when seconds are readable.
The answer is **2:32:02**
